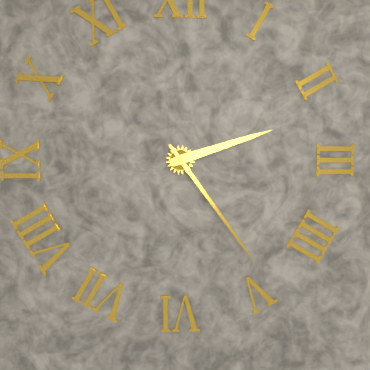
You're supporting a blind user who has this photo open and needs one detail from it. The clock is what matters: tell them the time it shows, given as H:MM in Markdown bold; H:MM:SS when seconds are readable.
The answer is **2:24**
